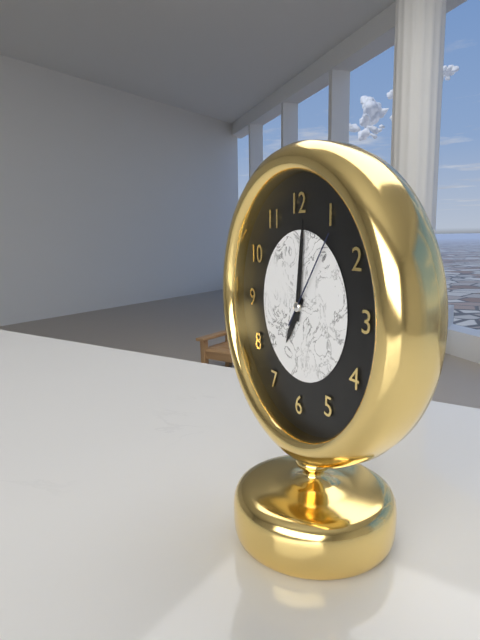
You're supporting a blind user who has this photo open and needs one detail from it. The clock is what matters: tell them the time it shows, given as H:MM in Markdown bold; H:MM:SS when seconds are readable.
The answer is **7:01:06**
